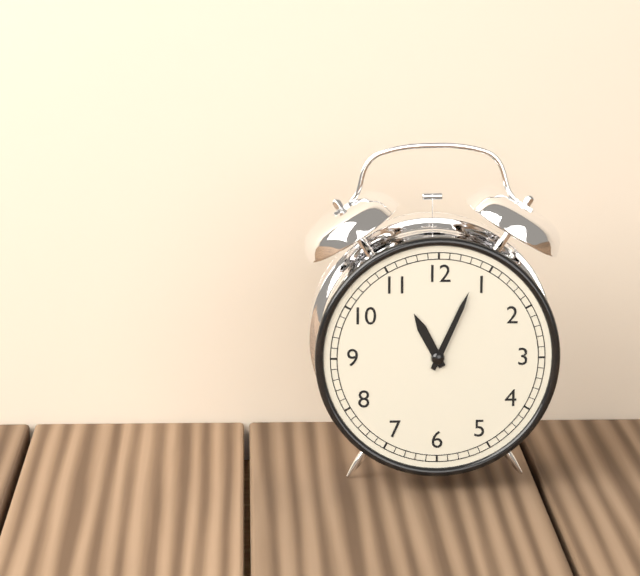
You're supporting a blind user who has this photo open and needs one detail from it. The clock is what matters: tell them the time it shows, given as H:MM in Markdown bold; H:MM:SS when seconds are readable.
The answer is **11:04**
